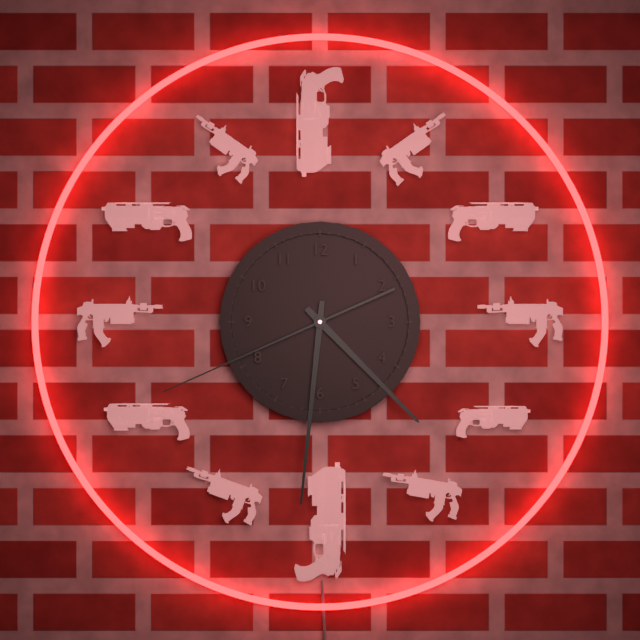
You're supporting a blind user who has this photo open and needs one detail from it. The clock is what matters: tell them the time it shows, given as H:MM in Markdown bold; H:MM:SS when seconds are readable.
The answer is **4:31:41**
